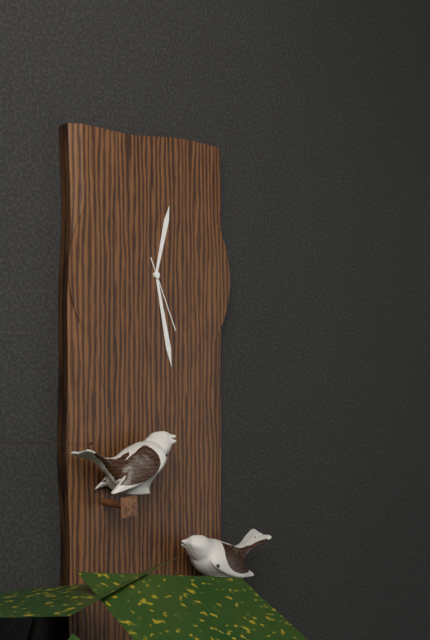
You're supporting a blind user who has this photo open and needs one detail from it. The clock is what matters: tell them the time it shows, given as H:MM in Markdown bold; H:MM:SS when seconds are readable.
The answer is **12:28:26**
